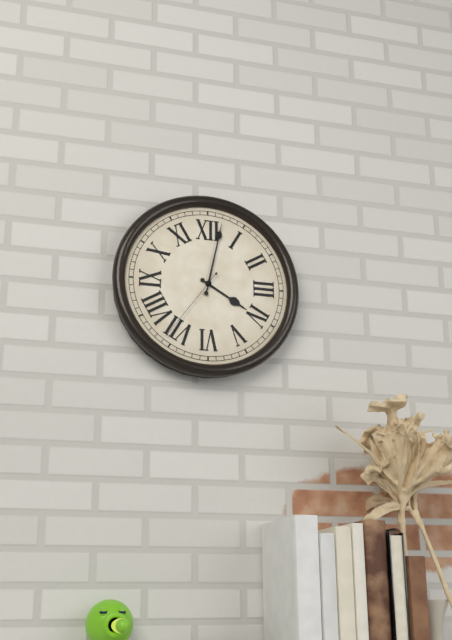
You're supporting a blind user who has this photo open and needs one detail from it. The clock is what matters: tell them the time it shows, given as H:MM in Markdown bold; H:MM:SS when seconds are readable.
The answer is **4:02:36**
